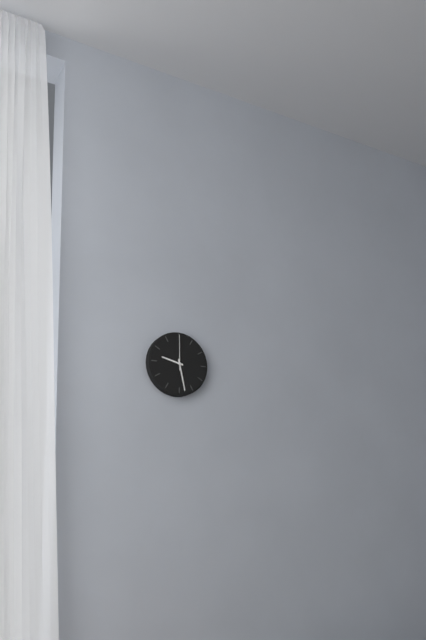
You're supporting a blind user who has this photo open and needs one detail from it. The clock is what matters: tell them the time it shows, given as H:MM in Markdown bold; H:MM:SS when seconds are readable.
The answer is **9:28**
